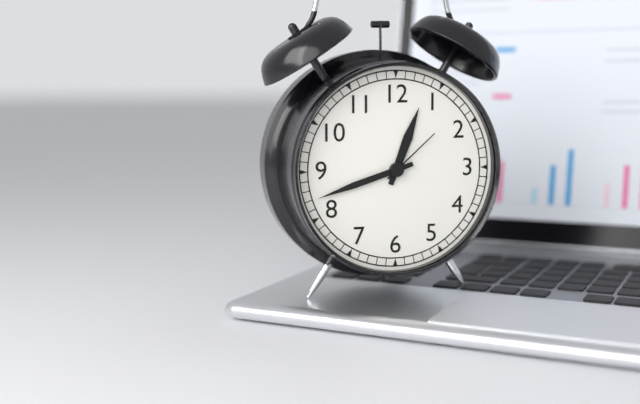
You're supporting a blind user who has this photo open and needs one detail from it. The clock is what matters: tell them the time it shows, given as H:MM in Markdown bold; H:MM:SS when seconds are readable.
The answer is **12:42:08**
